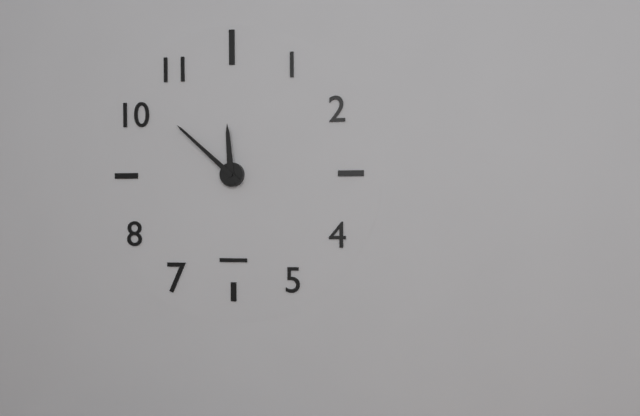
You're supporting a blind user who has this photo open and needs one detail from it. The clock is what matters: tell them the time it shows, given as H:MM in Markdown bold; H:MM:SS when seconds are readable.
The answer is **11:52**
